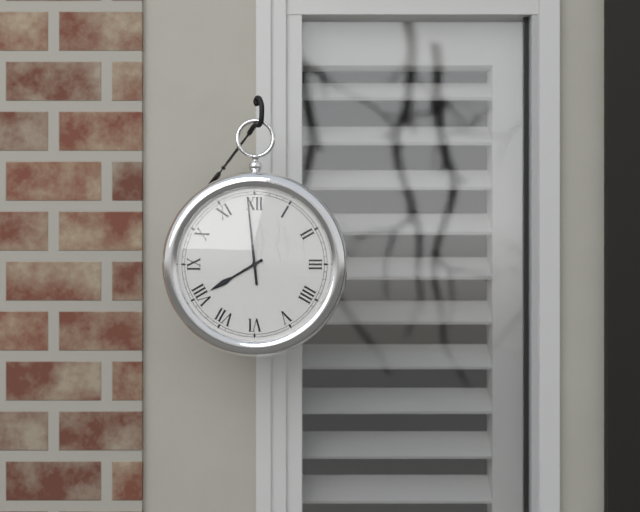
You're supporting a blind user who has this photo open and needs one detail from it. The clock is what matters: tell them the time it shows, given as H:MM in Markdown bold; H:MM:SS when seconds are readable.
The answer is **7:59**
